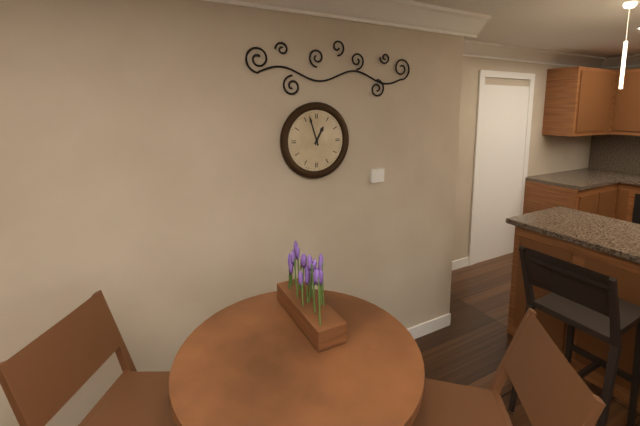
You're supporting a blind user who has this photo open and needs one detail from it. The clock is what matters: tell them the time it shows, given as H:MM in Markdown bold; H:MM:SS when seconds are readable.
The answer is **12:57**
